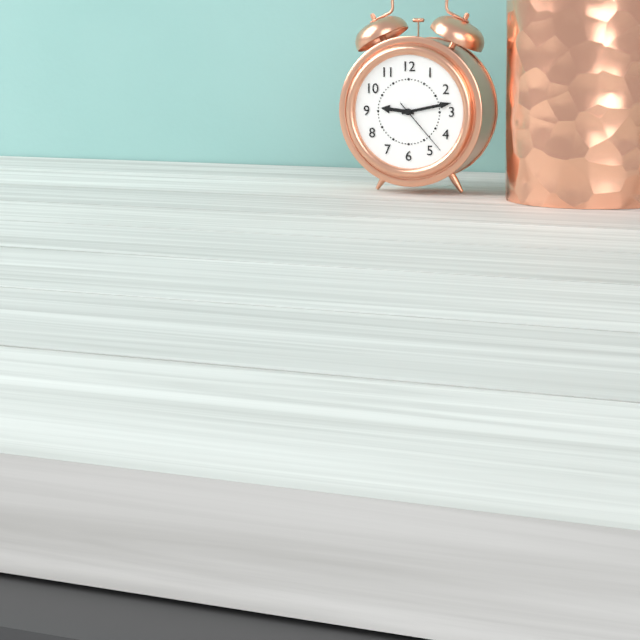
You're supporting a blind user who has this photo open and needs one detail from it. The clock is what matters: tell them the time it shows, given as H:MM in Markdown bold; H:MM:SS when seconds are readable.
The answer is **9:13:23**
